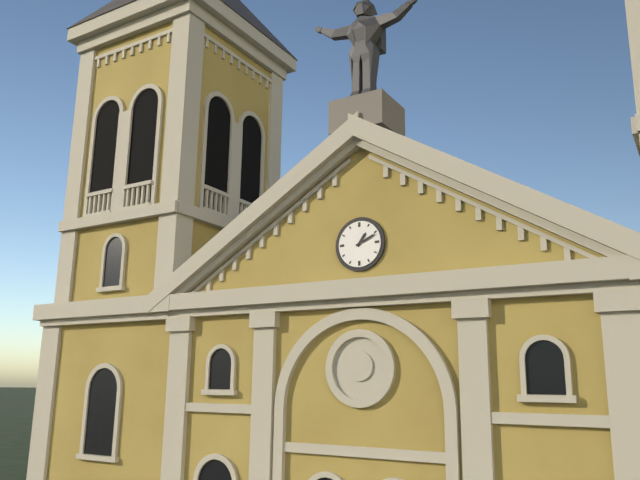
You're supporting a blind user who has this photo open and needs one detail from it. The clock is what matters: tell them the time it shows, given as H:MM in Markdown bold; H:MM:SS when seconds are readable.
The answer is **1:11**
